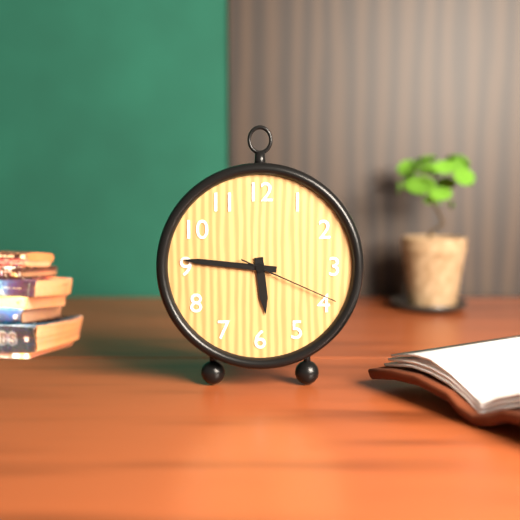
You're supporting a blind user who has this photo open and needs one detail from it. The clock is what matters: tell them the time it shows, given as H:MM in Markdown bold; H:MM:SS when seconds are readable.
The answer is **5:46:19**
